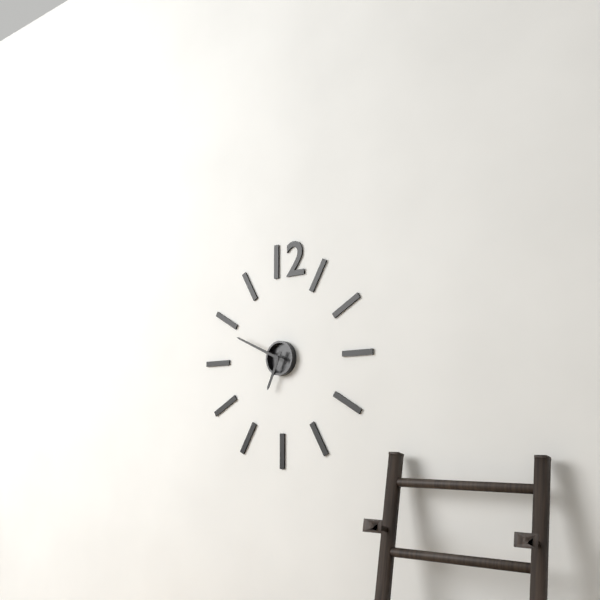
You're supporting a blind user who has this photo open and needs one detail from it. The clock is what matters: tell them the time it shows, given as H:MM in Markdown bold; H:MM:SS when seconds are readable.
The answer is **6:49**
